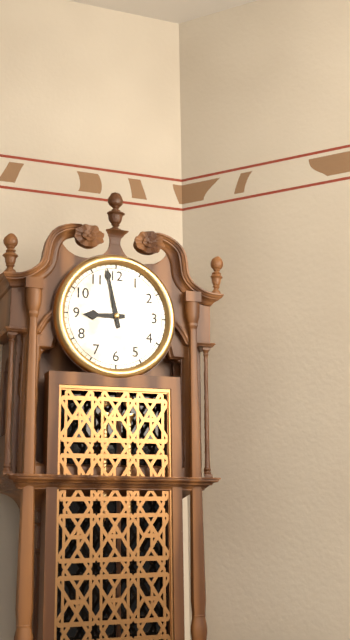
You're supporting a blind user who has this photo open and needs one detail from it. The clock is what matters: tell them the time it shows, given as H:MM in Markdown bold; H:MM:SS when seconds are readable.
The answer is **8:58**
